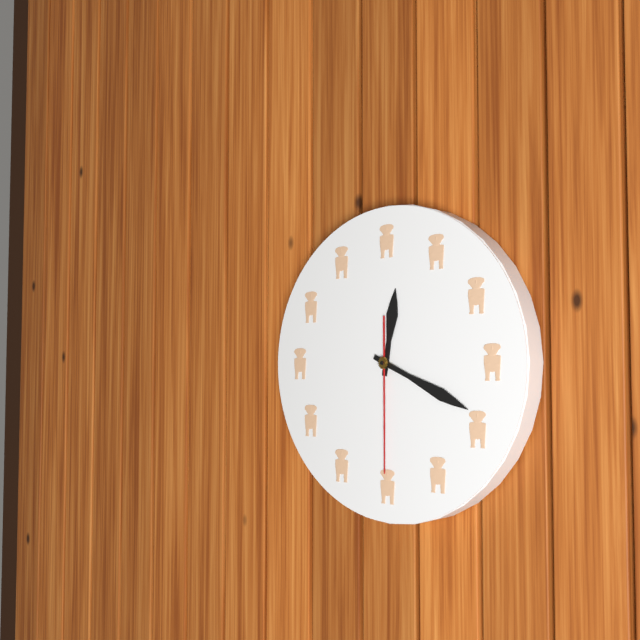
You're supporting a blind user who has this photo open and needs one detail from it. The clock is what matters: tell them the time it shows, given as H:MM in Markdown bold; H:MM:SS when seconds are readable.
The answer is **12:19:30**
